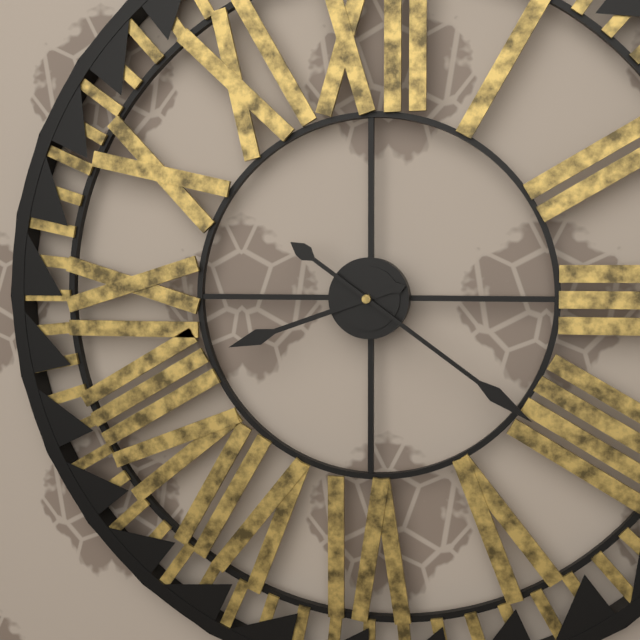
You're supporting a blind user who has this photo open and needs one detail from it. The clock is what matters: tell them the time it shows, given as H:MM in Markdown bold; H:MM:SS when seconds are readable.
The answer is **8:21**
